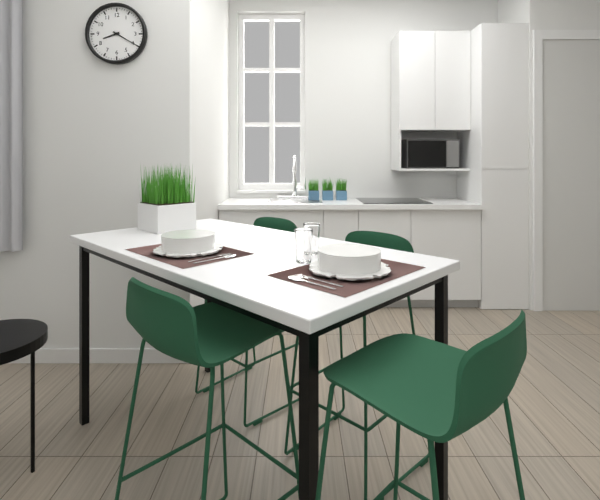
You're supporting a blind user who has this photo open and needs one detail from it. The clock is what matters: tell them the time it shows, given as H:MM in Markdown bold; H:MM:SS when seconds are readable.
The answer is **8:20**
